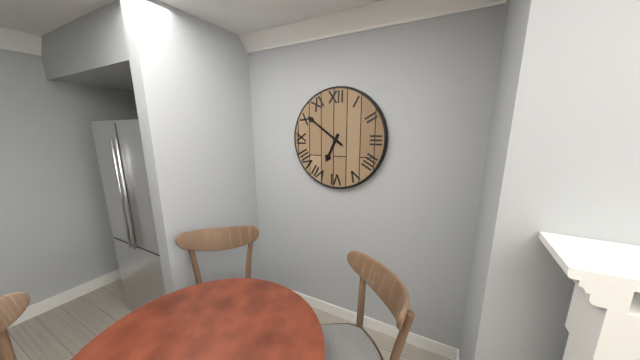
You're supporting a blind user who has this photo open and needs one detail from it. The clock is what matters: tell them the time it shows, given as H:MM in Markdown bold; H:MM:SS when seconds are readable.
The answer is **6:51**
